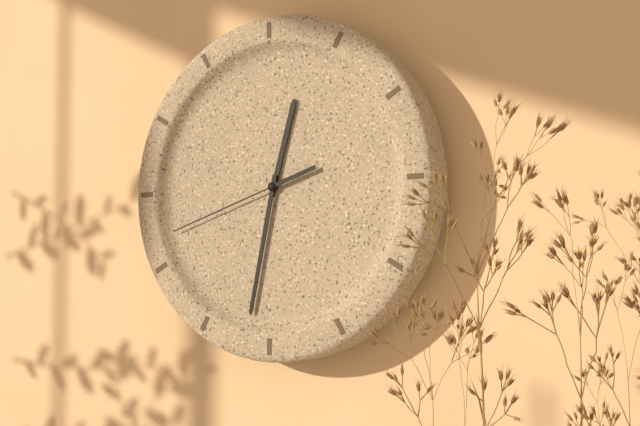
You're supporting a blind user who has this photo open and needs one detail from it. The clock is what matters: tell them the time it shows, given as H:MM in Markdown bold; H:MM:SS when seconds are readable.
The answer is **12:32:42**
